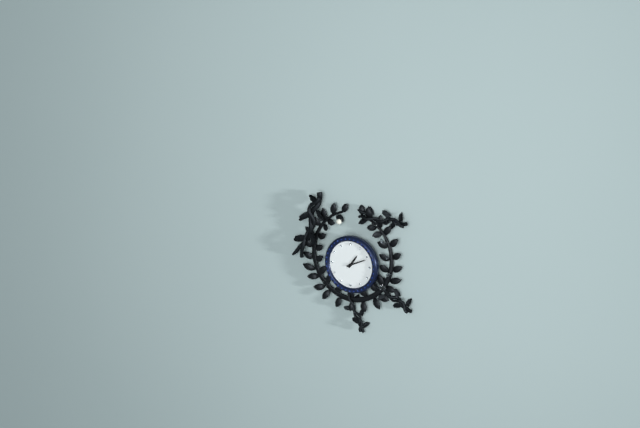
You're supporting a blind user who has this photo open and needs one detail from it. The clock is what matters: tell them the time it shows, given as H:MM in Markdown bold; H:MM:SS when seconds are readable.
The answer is **1:11**
